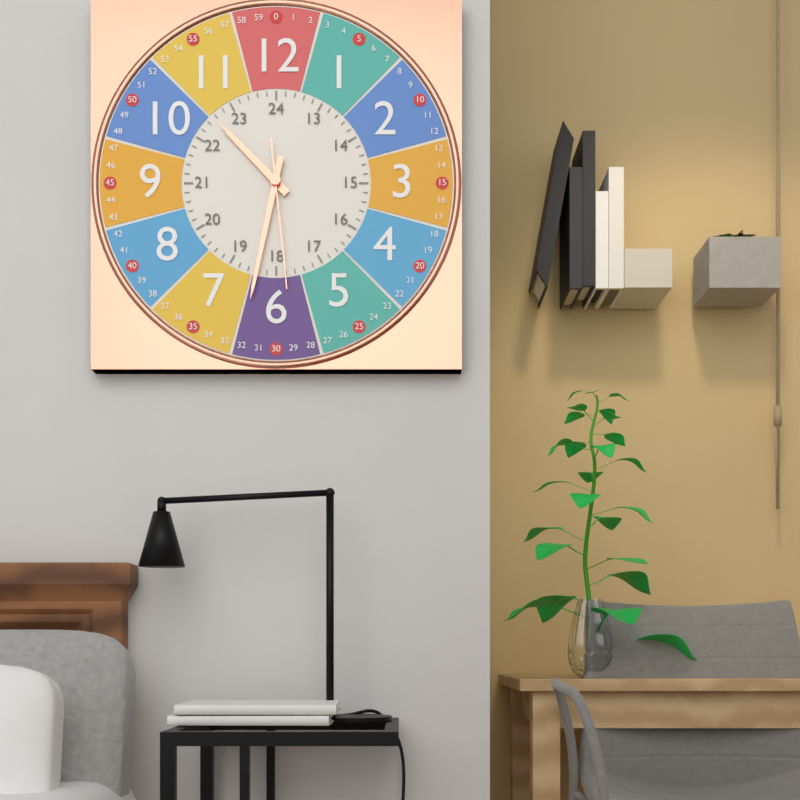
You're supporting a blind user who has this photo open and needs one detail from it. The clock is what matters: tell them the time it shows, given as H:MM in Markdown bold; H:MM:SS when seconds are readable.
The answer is **10:32:29**
